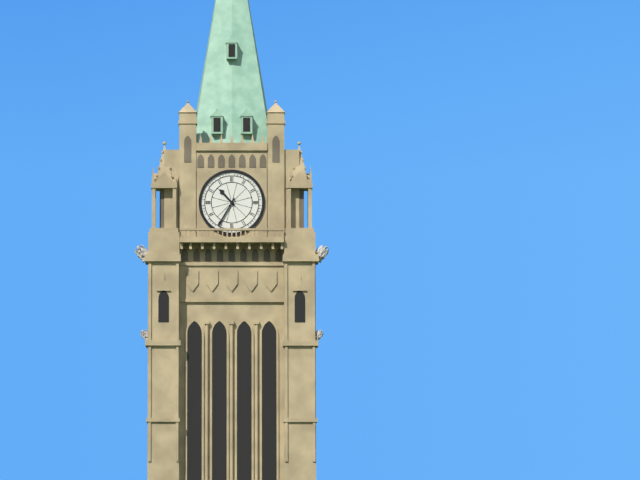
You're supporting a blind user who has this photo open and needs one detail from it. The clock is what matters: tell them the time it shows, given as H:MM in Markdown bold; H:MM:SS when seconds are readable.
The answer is **10:35**
